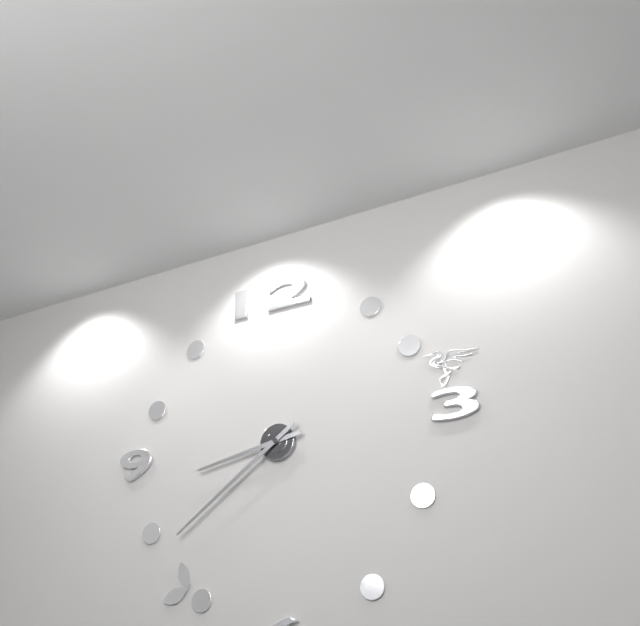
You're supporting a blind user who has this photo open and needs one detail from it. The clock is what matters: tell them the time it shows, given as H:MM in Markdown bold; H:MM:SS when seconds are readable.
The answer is **8:39**
